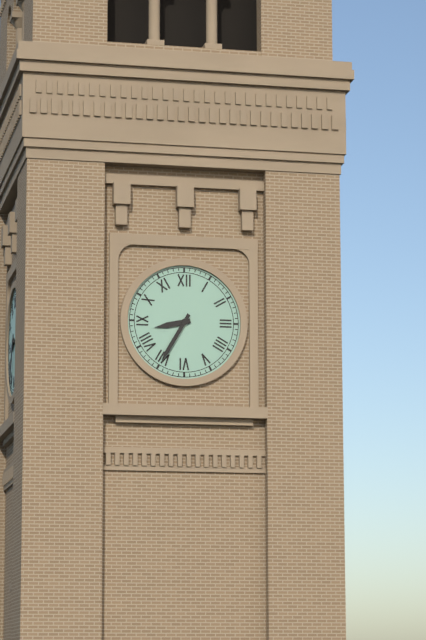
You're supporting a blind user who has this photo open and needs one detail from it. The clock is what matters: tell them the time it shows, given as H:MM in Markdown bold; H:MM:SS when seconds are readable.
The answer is **8:35**
